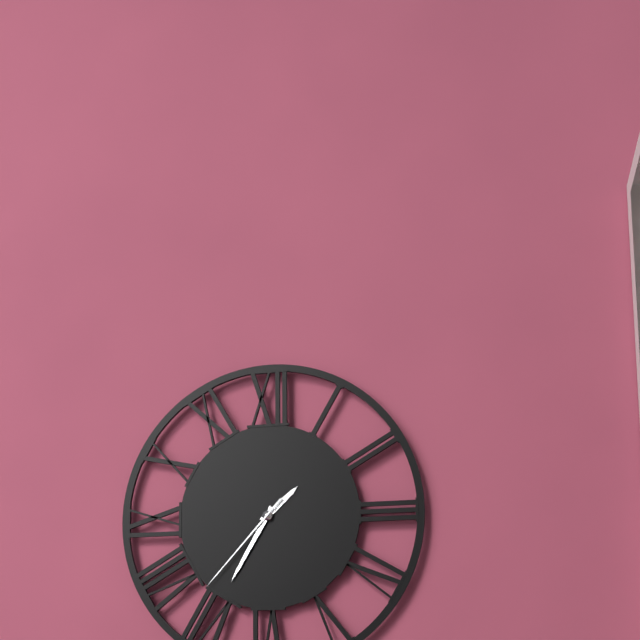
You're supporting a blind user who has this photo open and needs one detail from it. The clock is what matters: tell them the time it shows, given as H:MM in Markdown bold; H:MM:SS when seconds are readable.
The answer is **1:35:37**
